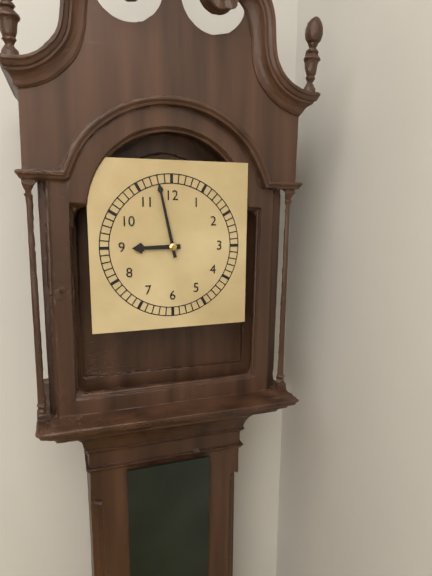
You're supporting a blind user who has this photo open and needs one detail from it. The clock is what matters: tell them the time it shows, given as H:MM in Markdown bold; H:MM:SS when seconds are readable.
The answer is **8:58**
